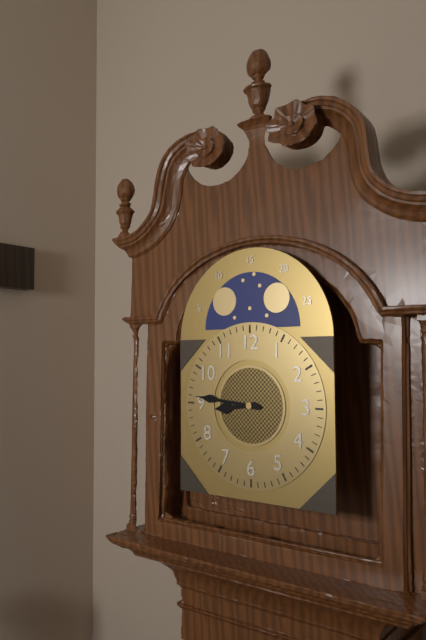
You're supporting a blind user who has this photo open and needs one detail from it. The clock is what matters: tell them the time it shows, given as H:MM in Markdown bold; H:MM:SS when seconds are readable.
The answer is **8:46**
